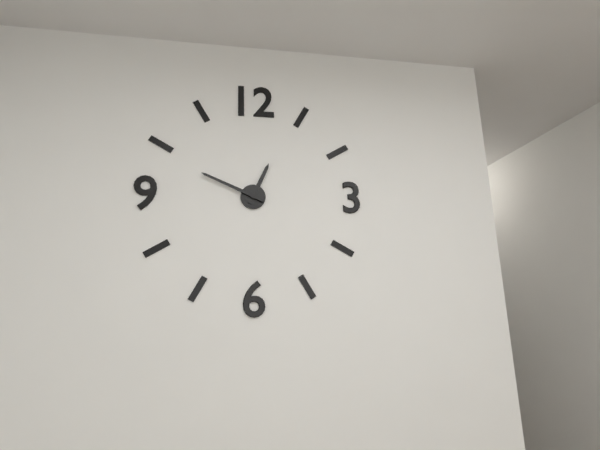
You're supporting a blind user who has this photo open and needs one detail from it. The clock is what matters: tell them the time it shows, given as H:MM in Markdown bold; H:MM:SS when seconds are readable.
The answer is **12:49**
